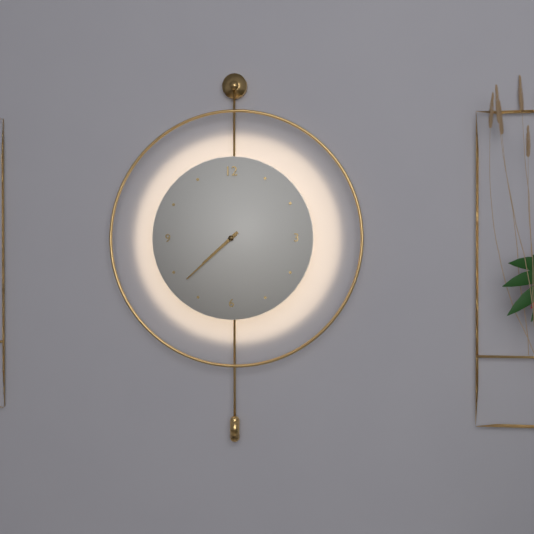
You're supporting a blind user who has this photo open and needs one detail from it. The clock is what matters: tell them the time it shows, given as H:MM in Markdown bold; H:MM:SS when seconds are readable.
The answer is **7:38**
